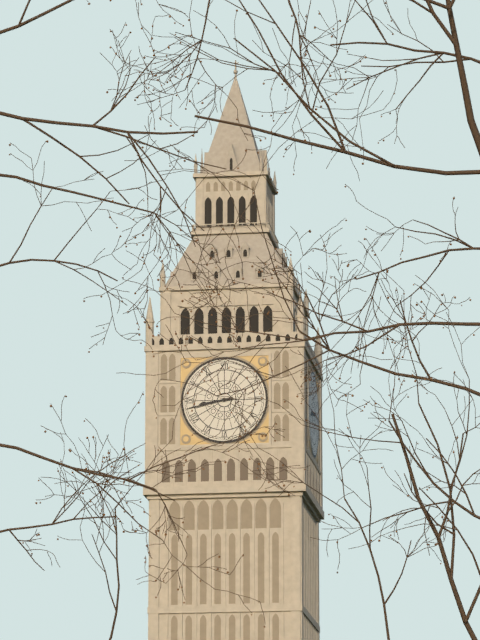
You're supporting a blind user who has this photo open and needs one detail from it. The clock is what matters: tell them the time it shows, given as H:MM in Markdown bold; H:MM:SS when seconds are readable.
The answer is **8:43**
